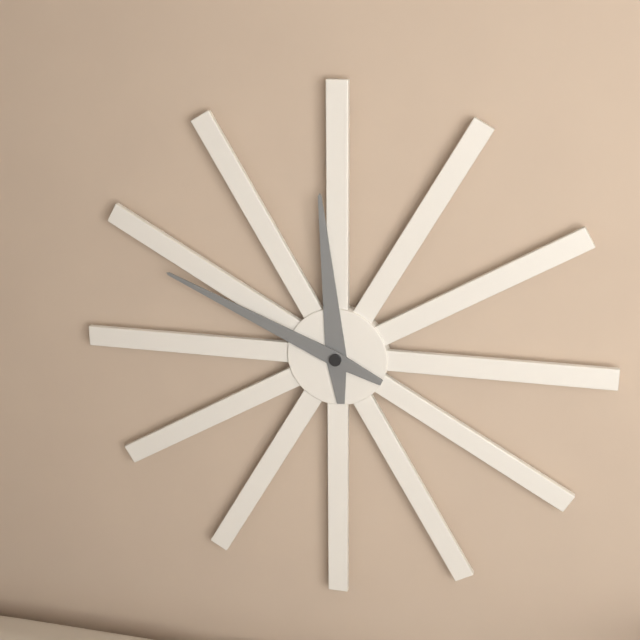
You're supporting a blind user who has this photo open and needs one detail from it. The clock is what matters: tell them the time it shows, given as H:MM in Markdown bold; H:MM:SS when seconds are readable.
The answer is **11:49**
